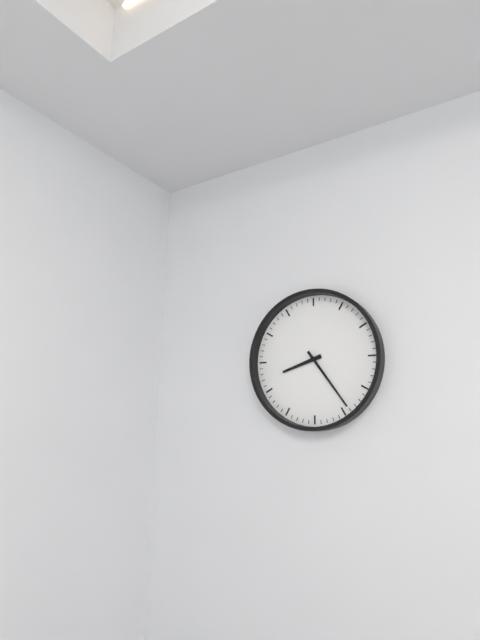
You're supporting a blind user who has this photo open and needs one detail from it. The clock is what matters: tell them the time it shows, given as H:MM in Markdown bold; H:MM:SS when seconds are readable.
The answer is **8:24**
